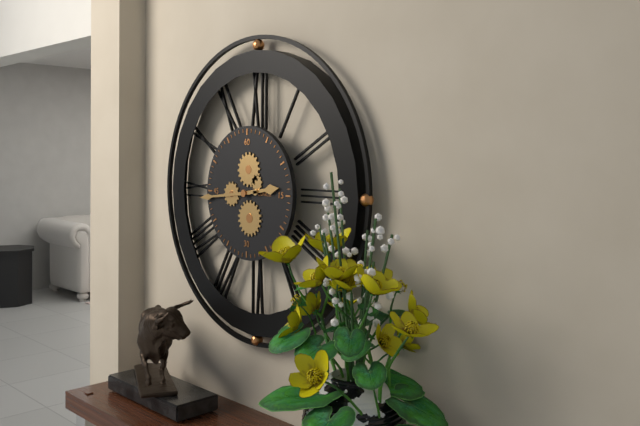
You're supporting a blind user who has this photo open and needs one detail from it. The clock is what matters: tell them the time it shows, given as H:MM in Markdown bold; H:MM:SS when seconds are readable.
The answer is **2:44**
